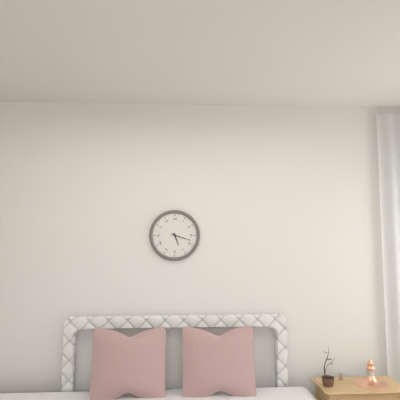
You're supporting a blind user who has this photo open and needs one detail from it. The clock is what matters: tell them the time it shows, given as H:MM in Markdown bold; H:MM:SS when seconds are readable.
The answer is **5:18**
